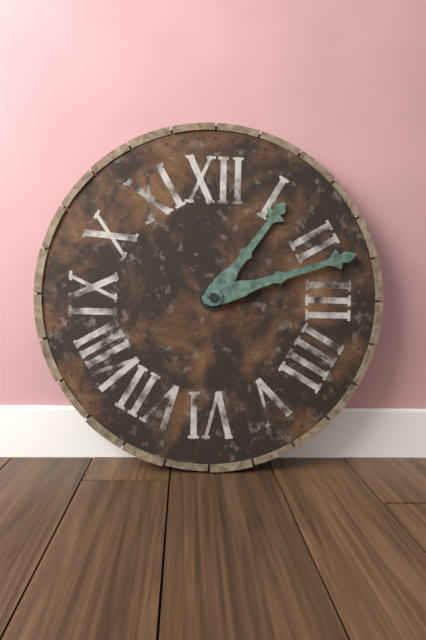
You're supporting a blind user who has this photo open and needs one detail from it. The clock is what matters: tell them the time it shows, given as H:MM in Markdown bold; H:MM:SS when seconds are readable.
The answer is **1:12**
